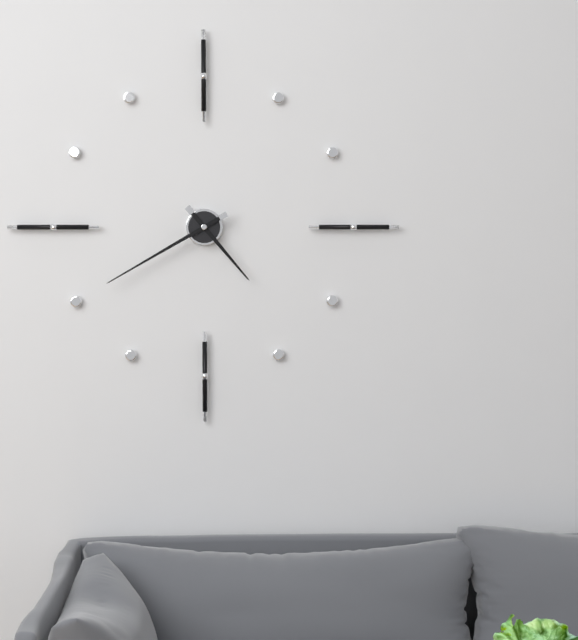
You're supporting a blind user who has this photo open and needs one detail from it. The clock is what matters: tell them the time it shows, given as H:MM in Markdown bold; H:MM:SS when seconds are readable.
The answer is **4:40**
